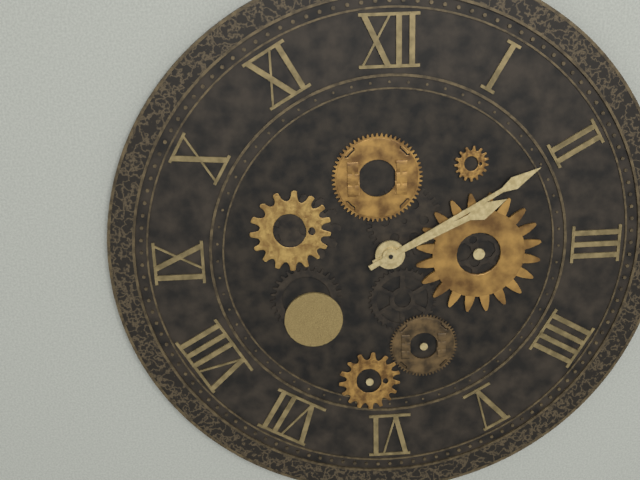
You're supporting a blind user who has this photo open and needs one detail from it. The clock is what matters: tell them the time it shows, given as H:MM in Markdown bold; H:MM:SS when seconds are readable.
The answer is **2:10**
